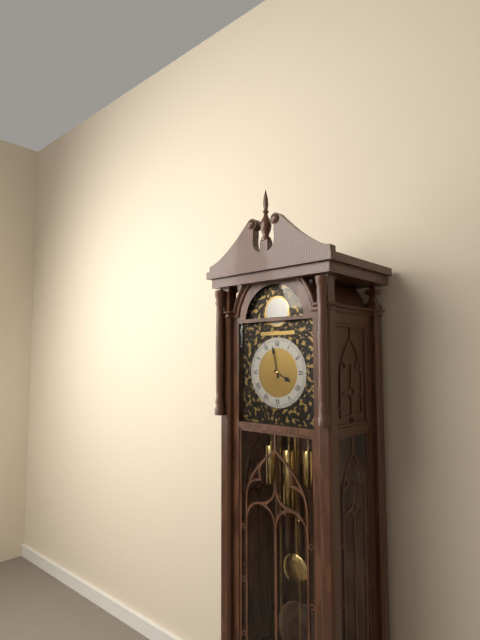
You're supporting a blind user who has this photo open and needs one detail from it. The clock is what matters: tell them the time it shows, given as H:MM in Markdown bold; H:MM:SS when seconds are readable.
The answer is **3:58**
